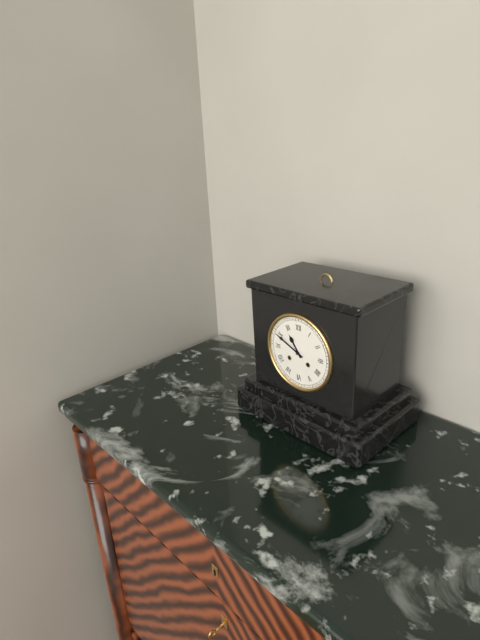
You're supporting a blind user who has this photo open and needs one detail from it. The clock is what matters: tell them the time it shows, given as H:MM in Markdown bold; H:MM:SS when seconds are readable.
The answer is **10:49**
